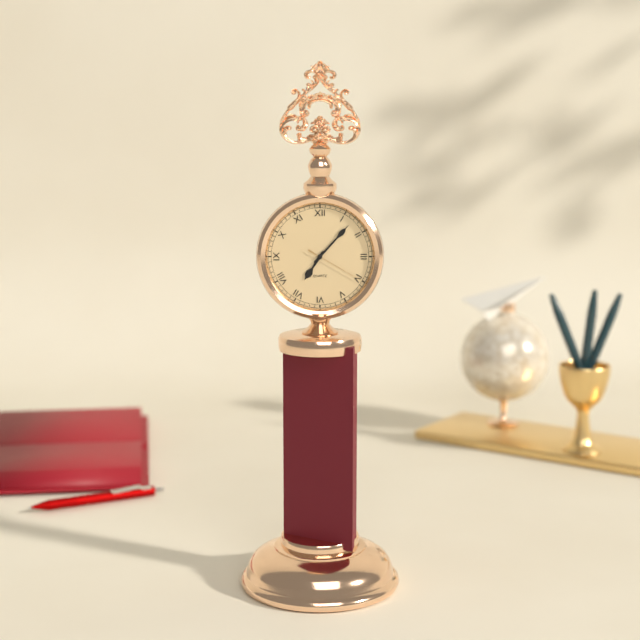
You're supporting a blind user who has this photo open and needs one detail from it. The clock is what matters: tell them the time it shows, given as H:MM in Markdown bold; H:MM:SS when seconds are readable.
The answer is **7:07:20**
